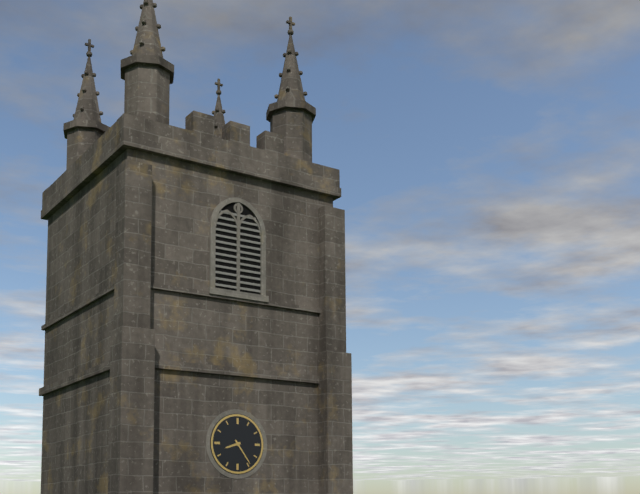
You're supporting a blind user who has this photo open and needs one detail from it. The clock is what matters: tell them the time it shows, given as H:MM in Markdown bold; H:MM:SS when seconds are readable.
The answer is **8:24**
